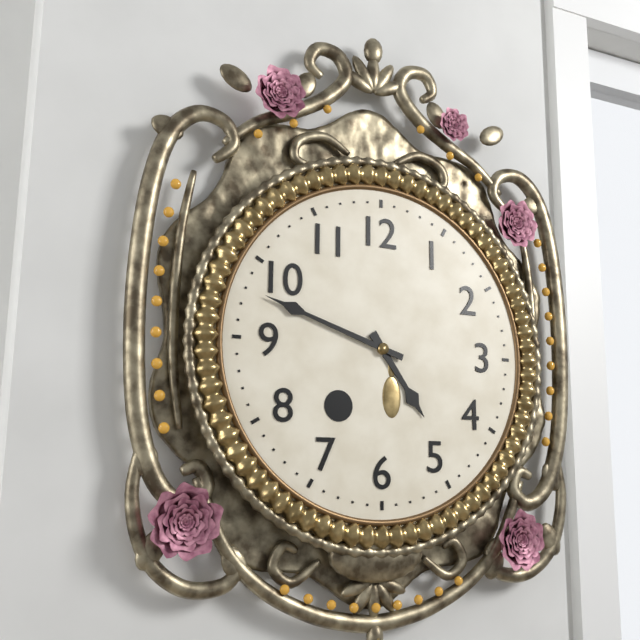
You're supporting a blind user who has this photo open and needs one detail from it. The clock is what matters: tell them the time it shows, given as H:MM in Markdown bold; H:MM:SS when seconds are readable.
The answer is **4:48**
